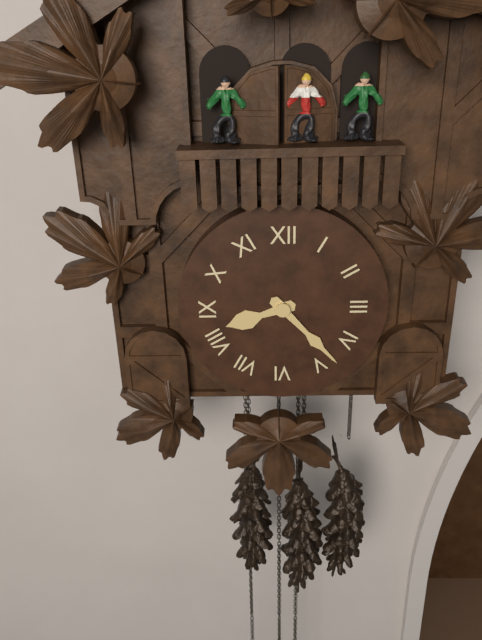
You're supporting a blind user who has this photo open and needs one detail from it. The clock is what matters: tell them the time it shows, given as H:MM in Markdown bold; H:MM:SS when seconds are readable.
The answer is **8:23**
